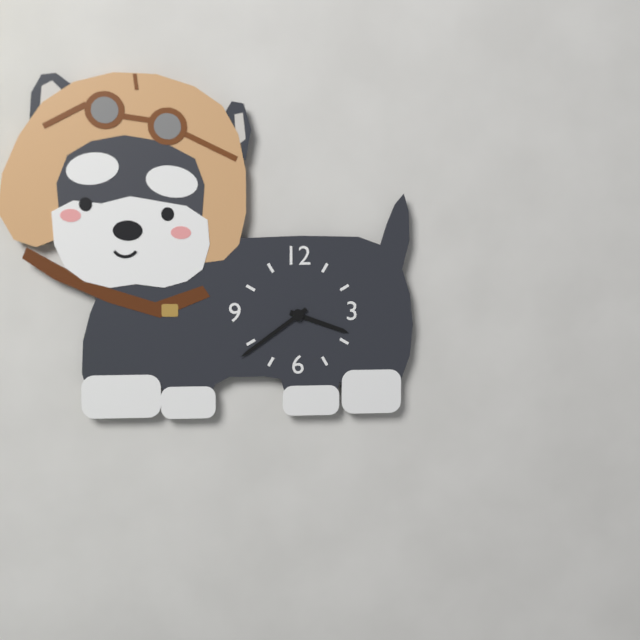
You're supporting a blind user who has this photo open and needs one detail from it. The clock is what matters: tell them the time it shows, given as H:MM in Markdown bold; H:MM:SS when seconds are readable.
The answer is **3:39**
